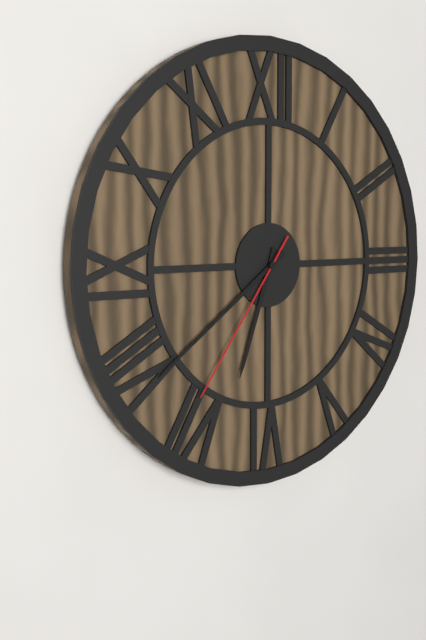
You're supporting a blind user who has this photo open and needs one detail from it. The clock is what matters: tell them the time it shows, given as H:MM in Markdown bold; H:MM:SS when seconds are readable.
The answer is **6:39:36**
